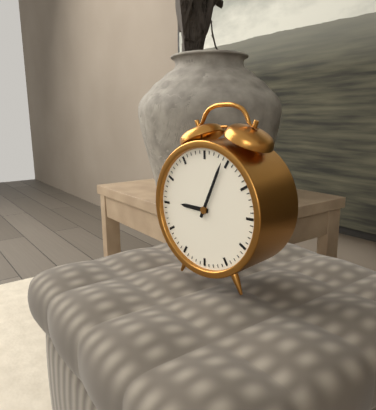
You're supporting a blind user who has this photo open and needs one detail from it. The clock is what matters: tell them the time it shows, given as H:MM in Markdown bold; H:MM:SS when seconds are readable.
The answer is **9:04**
